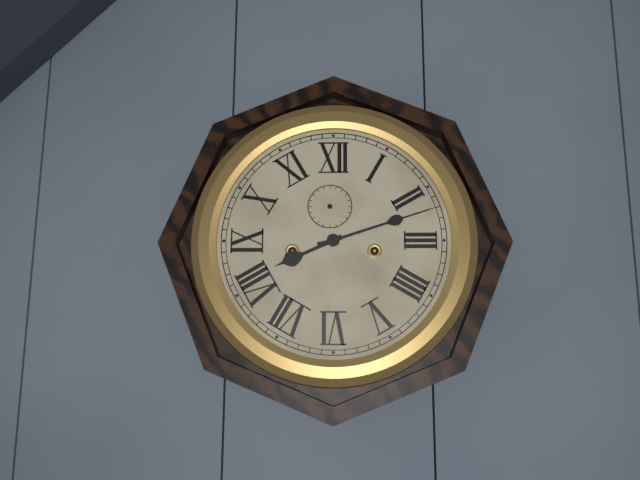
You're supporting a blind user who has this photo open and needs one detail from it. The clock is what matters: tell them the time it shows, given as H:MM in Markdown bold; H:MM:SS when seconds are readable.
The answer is **8:12**
